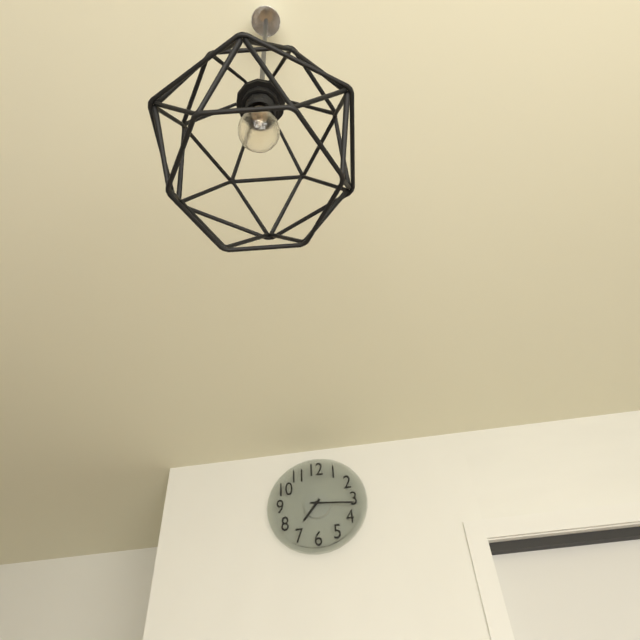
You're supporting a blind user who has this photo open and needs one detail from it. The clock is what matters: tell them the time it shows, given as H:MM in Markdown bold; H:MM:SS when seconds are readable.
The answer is **7:16**
